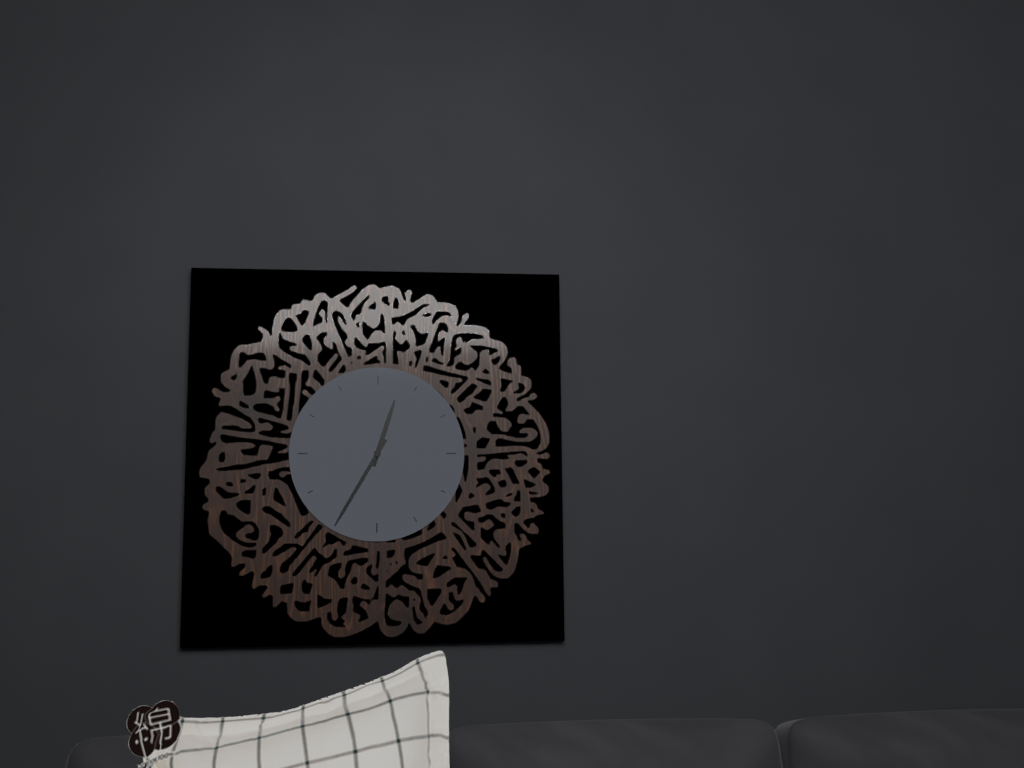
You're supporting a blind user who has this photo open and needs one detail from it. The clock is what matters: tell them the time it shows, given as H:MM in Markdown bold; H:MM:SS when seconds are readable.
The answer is **12:35**
